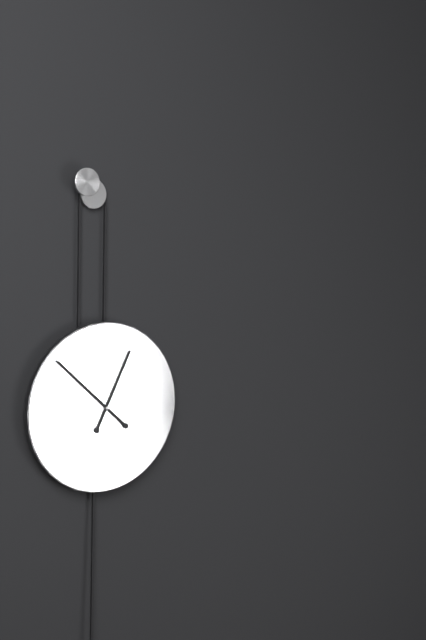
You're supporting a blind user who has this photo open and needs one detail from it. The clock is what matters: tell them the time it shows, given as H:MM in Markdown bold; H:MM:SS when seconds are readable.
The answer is **12:52**
